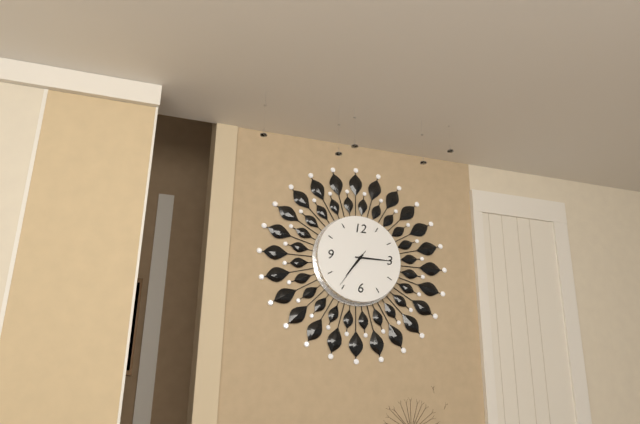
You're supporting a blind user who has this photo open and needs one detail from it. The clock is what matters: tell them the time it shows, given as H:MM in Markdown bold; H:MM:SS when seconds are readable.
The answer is **7:15**
